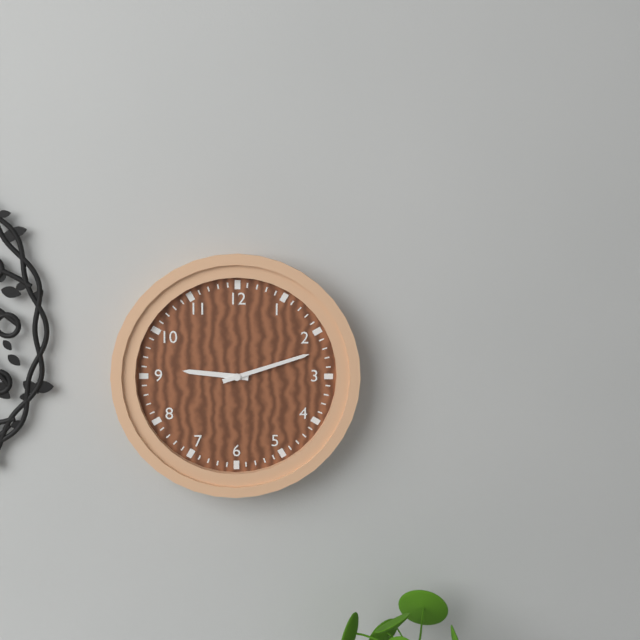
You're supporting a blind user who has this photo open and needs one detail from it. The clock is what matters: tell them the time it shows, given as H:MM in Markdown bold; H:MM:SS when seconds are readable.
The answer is **9:12**
